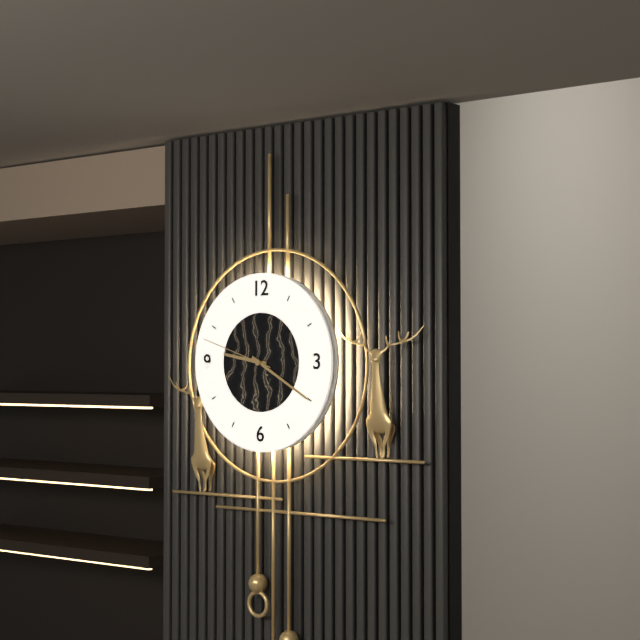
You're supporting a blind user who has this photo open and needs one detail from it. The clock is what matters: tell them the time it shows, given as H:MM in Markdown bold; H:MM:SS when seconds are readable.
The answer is **9:20:48**
